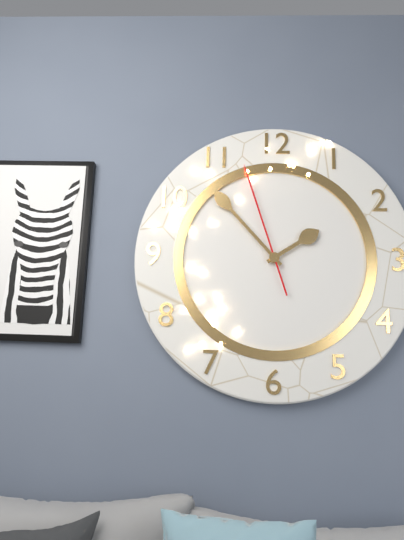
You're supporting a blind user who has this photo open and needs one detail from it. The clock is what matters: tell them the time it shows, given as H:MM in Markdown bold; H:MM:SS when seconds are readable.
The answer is **1:53:57**
